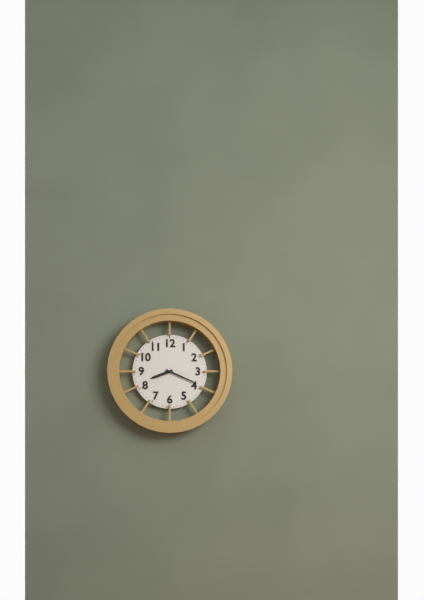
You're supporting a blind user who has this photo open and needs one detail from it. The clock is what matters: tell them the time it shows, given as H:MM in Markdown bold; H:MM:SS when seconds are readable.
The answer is **8:19**
